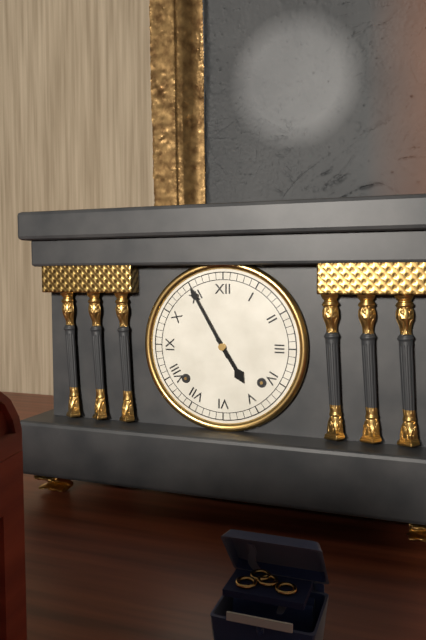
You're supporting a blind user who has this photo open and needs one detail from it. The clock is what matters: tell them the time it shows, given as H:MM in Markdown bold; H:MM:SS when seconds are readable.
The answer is **4:55**
